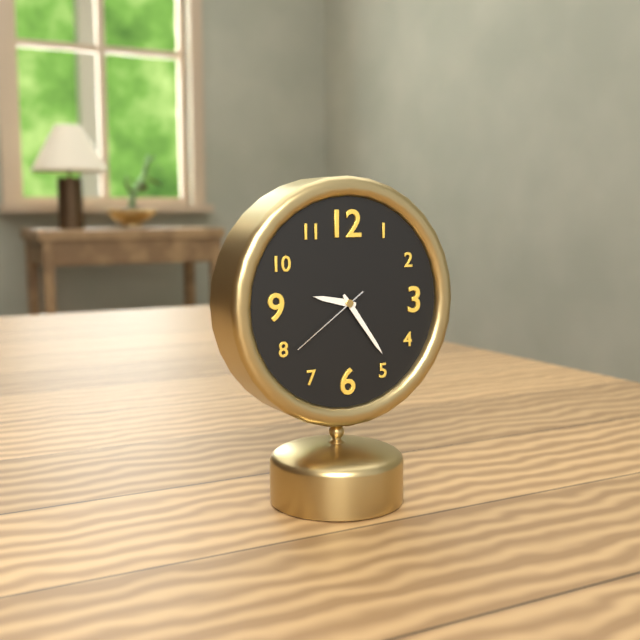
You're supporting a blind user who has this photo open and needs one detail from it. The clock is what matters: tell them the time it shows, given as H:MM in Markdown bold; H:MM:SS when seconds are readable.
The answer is **9:24:39**
